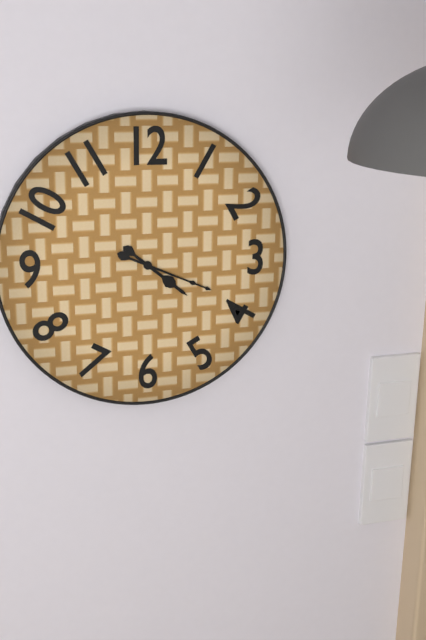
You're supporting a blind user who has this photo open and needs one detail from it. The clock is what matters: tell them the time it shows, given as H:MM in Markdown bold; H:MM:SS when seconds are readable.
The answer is **4:19**
